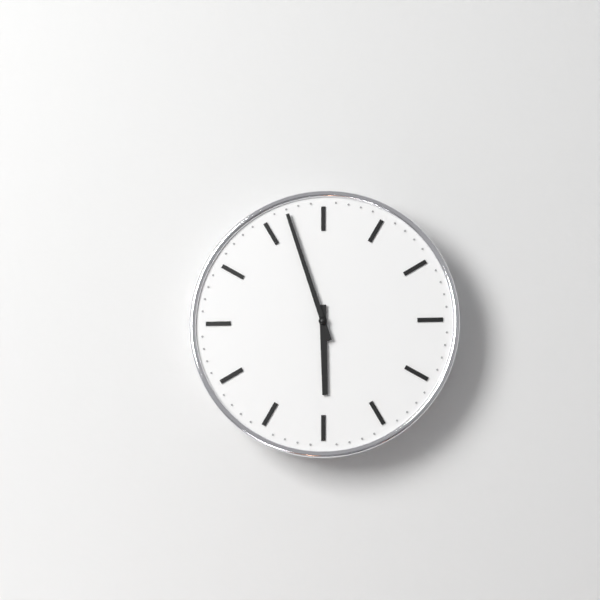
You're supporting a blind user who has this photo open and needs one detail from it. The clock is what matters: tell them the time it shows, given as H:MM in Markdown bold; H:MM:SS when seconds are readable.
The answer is **5:57**
